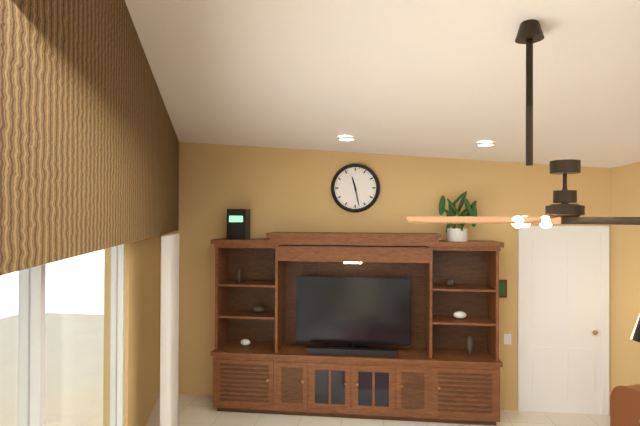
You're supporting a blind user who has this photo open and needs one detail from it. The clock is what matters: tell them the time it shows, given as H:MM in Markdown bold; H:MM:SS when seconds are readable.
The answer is **11:28**
